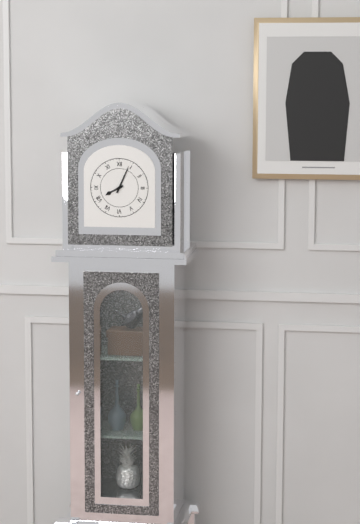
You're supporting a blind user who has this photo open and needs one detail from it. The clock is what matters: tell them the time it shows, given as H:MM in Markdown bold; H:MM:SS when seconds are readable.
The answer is **8:04**
